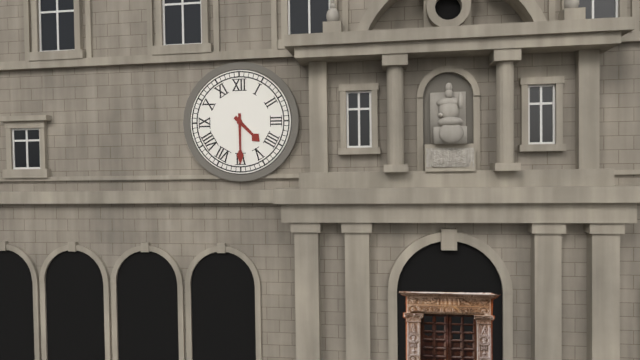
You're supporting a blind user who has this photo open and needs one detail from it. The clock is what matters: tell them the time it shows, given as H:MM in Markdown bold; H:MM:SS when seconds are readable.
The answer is **4:30**
